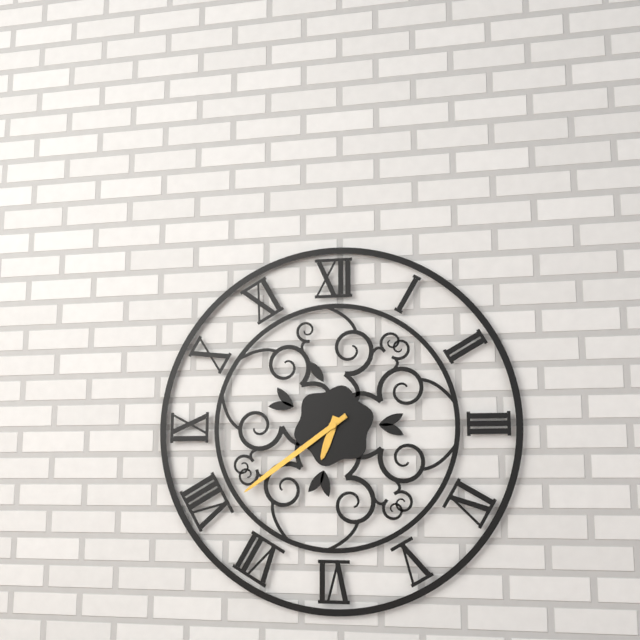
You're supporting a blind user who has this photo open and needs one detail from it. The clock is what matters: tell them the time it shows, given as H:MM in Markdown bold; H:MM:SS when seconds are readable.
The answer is **6:39**
